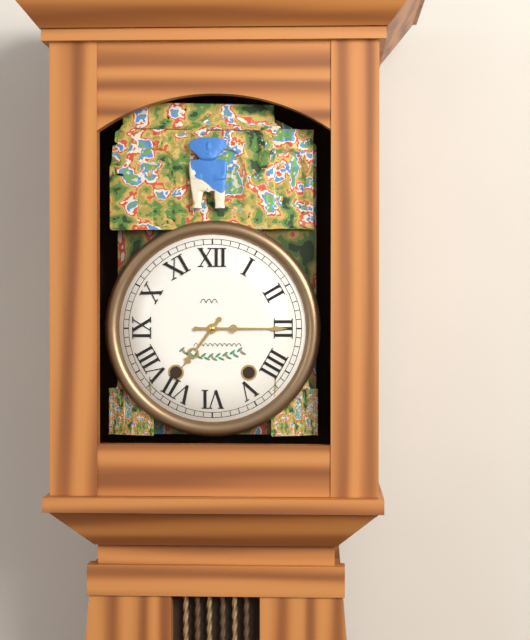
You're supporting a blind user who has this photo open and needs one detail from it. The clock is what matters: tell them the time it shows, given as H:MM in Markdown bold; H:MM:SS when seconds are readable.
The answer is **7:15**
